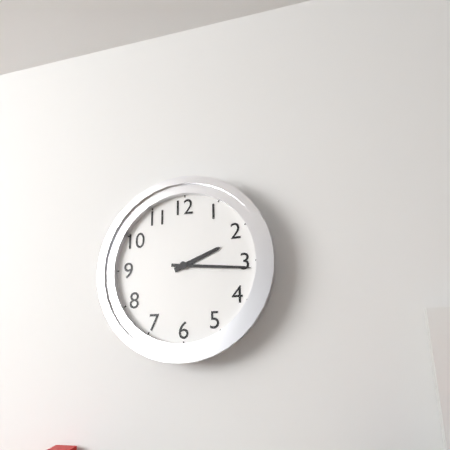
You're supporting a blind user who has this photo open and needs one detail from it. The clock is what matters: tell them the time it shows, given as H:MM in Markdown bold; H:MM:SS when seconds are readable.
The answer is **2:16**
